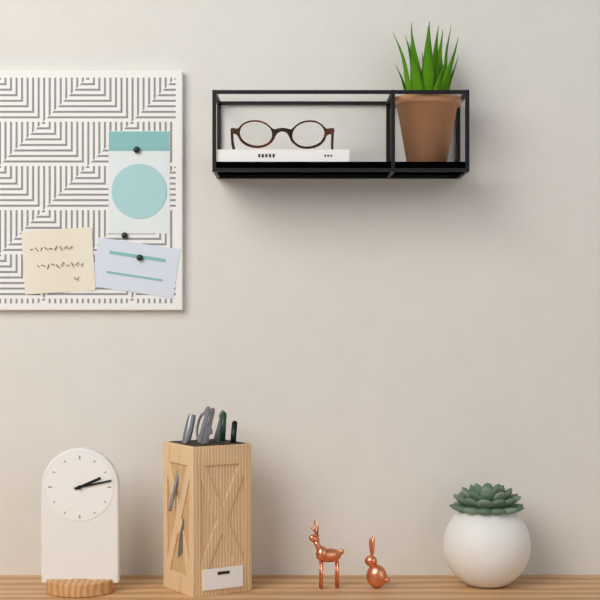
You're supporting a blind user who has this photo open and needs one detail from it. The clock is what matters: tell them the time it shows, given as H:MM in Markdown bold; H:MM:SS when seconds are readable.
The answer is **2:13**
